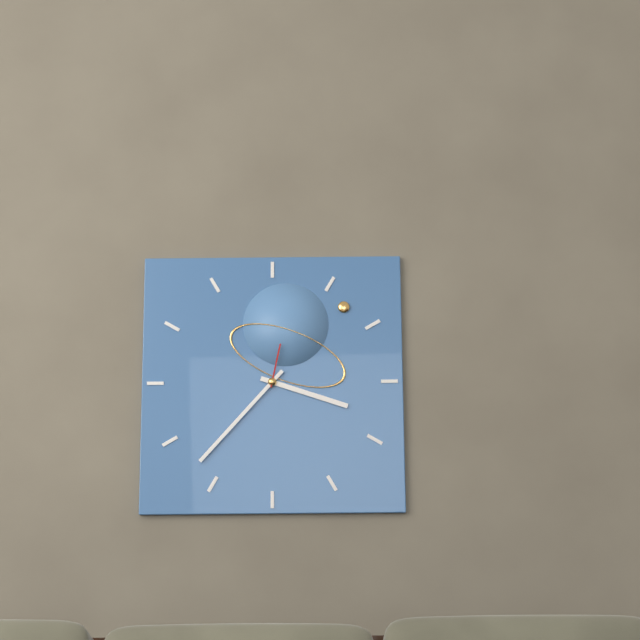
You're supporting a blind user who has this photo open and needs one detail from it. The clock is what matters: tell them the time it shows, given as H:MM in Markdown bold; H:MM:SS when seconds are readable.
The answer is **3:37**
